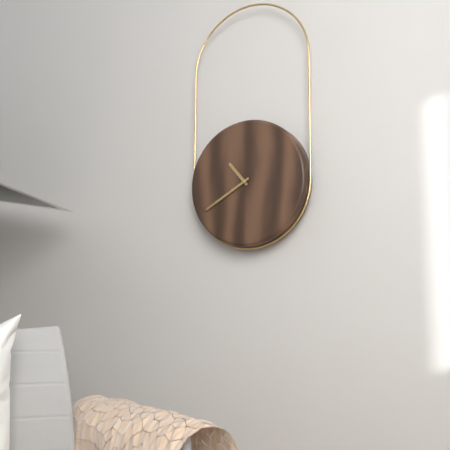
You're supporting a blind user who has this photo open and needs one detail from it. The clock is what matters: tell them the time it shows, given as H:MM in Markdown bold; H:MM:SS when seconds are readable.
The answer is **10:40**
